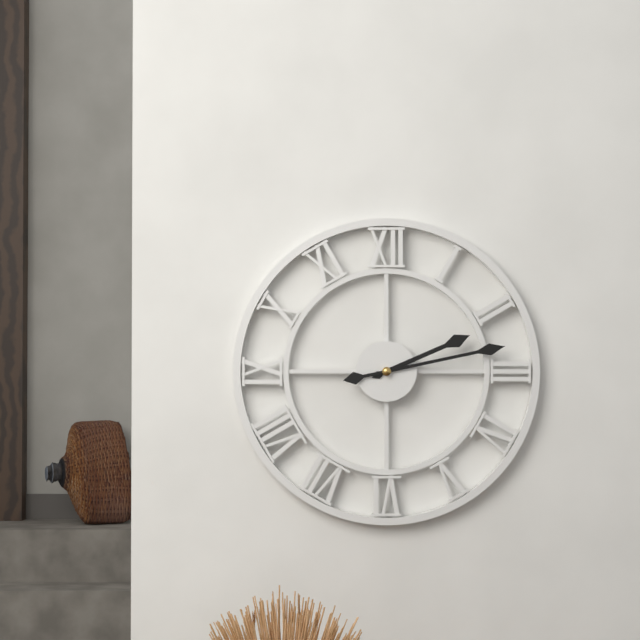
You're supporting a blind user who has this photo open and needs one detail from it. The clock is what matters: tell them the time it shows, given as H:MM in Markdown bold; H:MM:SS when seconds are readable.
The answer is **2:13**
